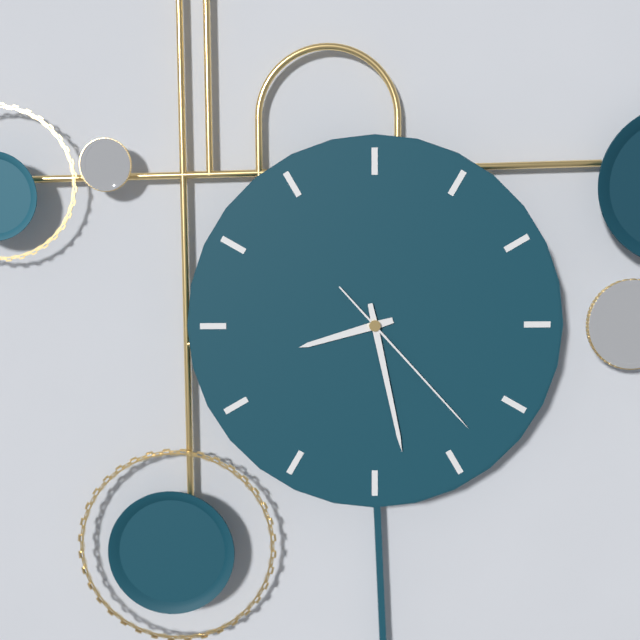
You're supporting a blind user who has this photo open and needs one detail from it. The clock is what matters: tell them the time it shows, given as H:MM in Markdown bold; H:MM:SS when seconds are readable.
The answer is **8:28:23**
